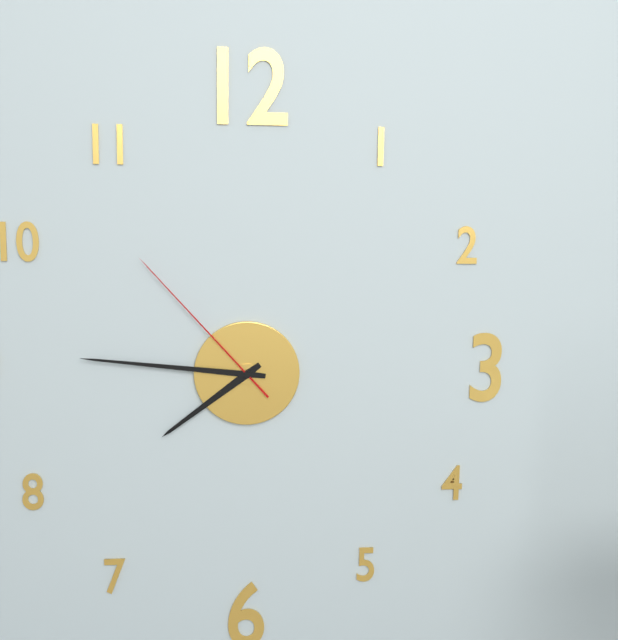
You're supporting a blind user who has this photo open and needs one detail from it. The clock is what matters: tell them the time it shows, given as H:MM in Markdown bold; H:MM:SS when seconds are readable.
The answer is **7:46:53**
